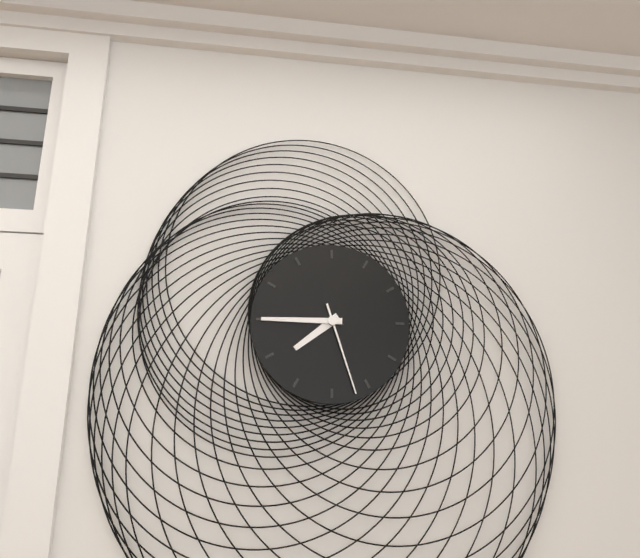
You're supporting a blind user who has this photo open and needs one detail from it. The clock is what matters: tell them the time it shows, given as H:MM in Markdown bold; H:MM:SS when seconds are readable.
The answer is **7:45:27**
